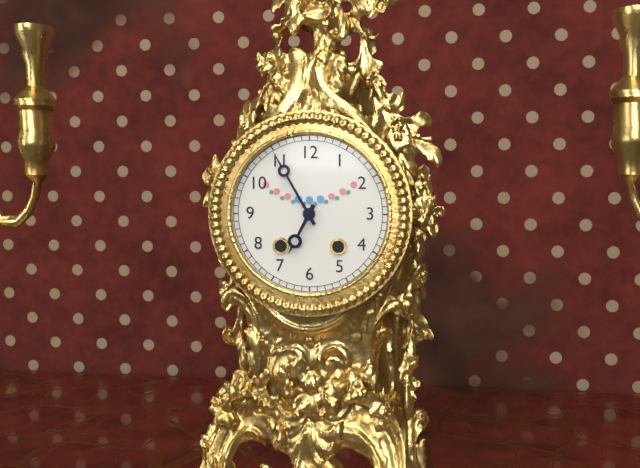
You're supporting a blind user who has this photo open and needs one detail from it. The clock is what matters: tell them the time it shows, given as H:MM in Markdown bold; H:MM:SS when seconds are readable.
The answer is **6:55**
